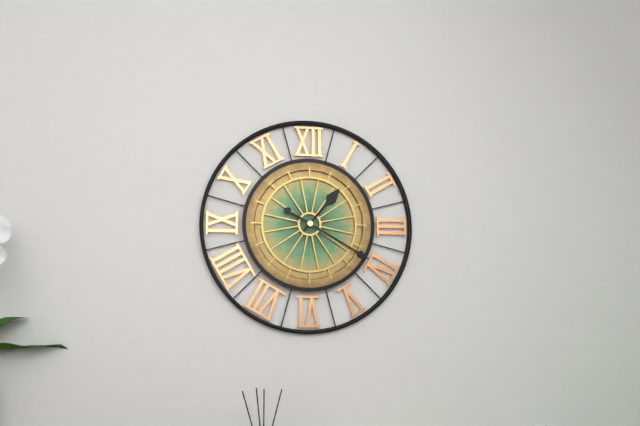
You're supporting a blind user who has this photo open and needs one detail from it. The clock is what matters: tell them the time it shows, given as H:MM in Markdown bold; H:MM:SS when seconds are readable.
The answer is **1:20**
